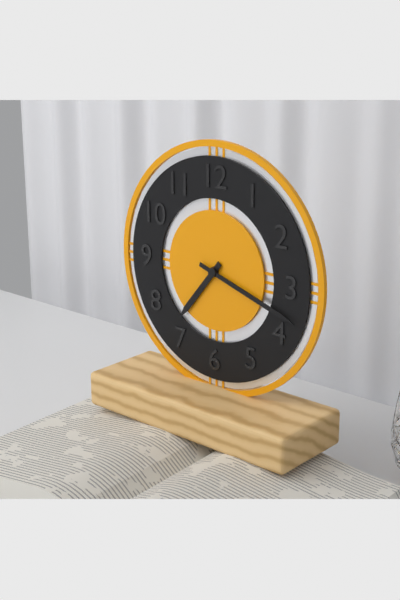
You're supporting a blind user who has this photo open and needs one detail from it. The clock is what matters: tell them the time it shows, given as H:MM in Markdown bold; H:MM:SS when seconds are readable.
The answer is **7:18**
